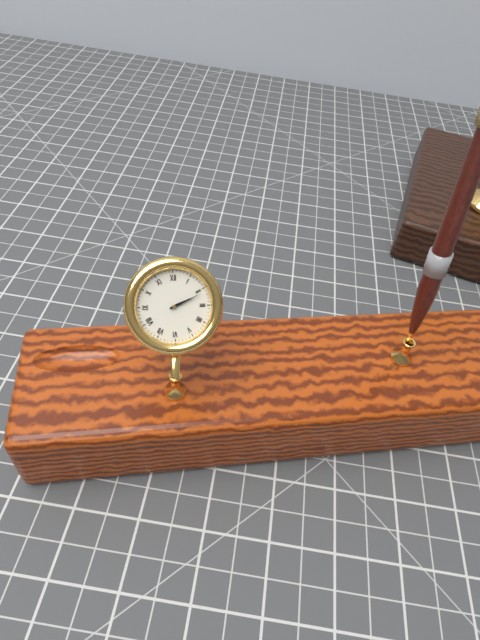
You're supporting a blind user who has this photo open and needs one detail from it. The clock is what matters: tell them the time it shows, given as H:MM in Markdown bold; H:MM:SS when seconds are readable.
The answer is **2:11**
